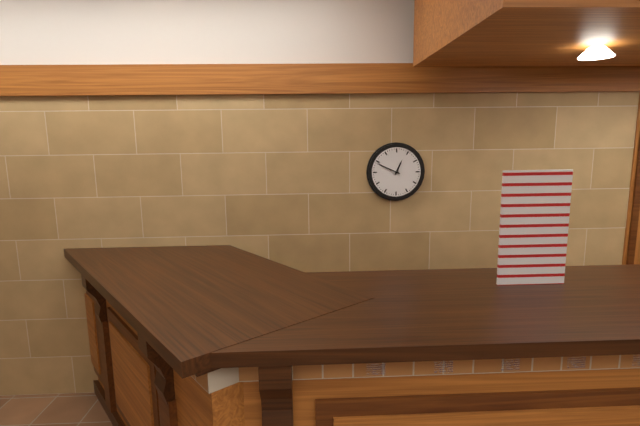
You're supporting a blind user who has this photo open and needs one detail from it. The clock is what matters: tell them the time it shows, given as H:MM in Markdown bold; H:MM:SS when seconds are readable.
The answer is **12:49**
